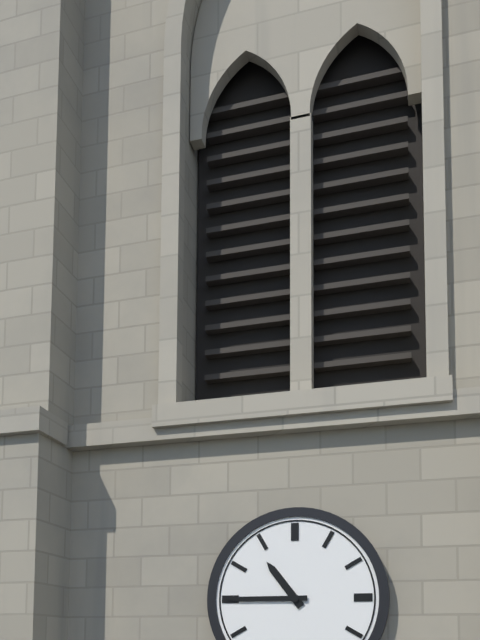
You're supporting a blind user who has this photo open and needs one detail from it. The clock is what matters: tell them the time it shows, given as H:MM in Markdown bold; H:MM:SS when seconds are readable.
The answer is **10:45**
